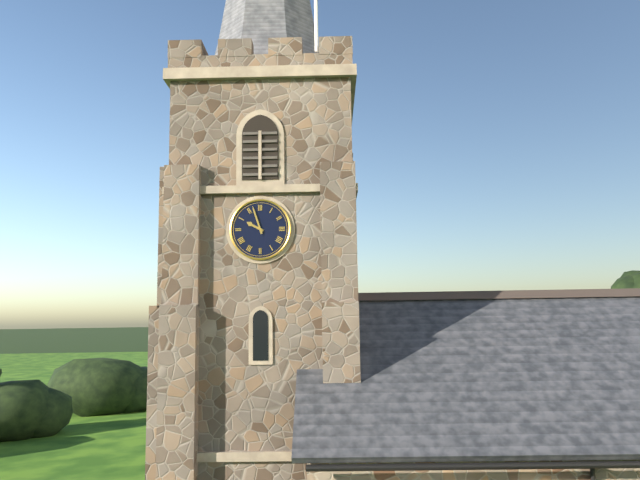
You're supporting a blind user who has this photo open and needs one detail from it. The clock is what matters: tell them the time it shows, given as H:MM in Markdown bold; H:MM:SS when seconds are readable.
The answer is **9:57**
